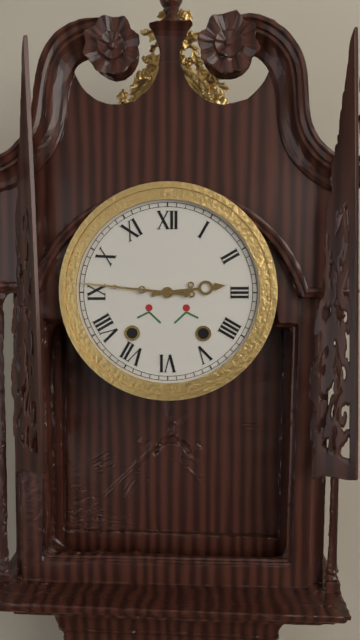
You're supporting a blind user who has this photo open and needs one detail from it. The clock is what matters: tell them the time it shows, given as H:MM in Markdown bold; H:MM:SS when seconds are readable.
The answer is **2:46**
